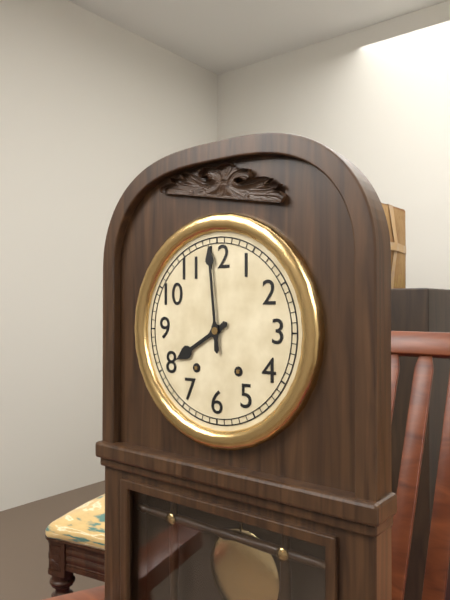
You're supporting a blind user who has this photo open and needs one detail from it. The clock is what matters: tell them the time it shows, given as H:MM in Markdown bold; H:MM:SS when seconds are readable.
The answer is **7:59**
